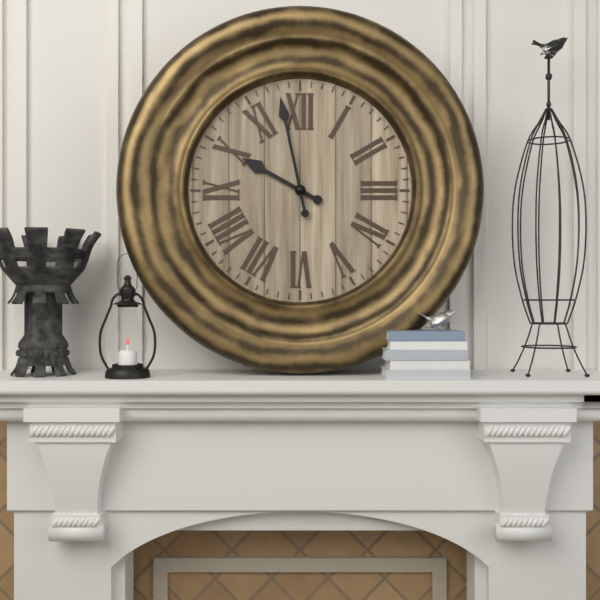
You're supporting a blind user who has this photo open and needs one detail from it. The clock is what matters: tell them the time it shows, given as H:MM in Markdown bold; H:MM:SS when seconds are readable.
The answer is **9:58**
